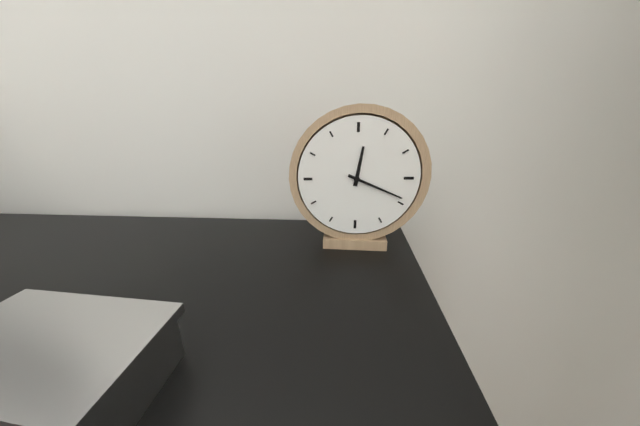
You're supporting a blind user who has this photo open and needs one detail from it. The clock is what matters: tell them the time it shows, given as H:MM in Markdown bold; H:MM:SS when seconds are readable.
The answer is **12:19**
